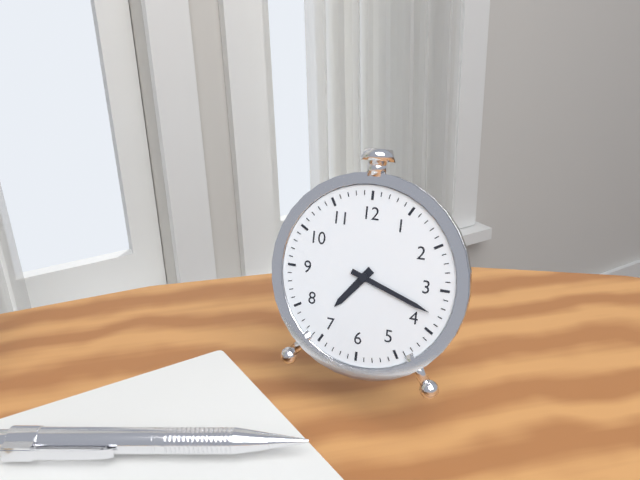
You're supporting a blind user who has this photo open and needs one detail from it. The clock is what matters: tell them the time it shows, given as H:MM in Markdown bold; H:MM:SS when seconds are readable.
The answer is **7:18**
